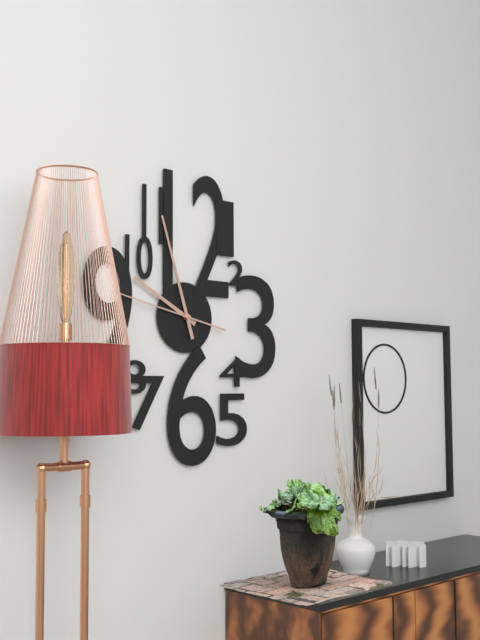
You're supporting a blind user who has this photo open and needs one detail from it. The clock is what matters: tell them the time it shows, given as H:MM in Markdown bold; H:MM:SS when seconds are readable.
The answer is **9:57:47**
